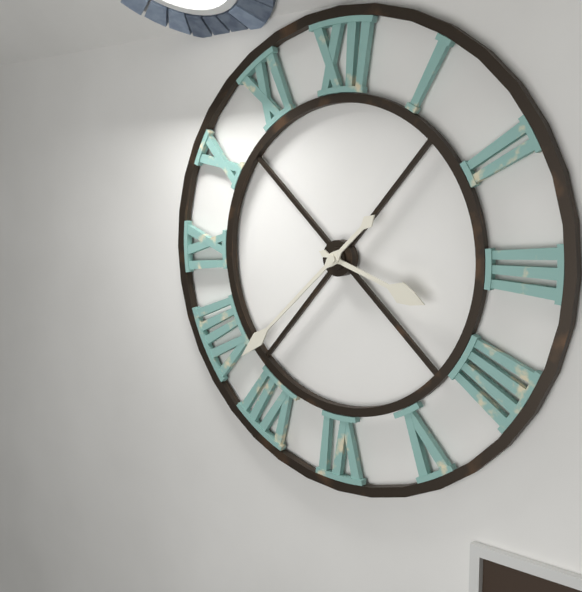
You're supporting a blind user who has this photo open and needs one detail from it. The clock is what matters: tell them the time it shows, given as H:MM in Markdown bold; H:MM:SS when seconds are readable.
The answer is **3:38**
